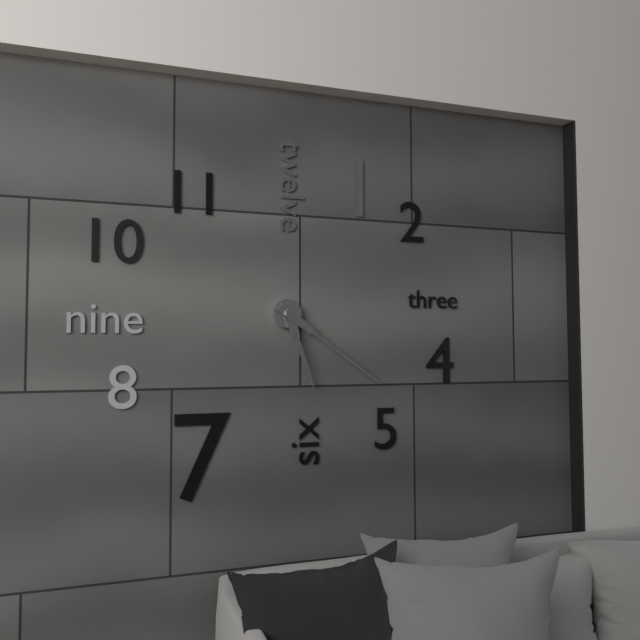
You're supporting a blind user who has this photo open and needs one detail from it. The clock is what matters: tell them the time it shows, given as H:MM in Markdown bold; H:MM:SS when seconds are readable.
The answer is **5:21**
